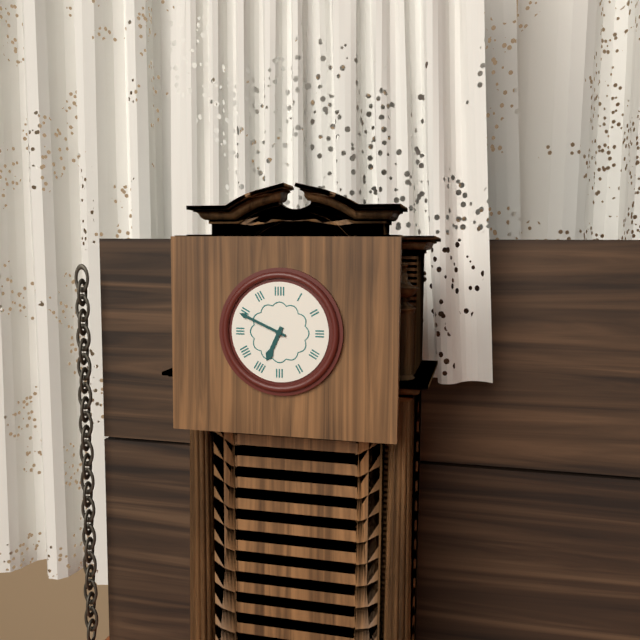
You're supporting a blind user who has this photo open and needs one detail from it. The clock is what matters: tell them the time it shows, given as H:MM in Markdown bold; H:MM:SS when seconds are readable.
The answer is **6:49**
